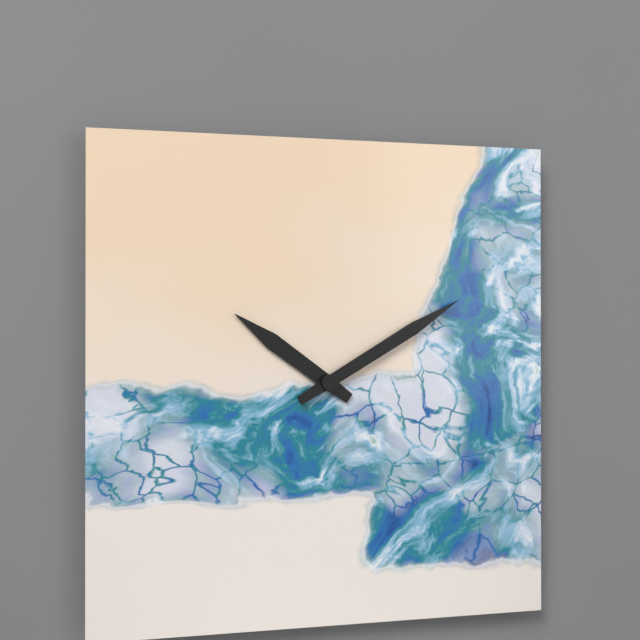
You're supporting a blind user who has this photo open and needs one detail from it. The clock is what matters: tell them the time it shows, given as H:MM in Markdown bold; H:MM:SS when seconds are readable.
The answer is **10:10**
